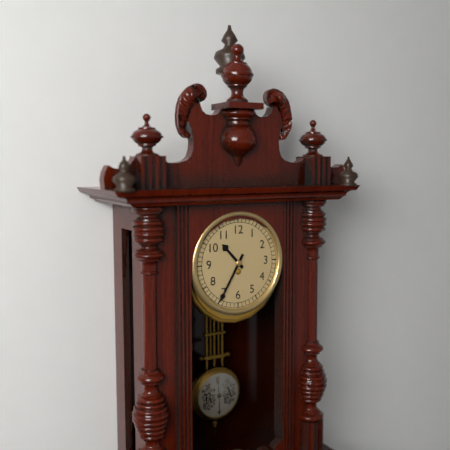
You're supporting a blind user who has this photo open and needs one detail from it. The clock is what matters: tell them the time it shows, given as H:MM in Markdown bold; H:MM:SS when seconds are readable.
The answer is **10:35**
